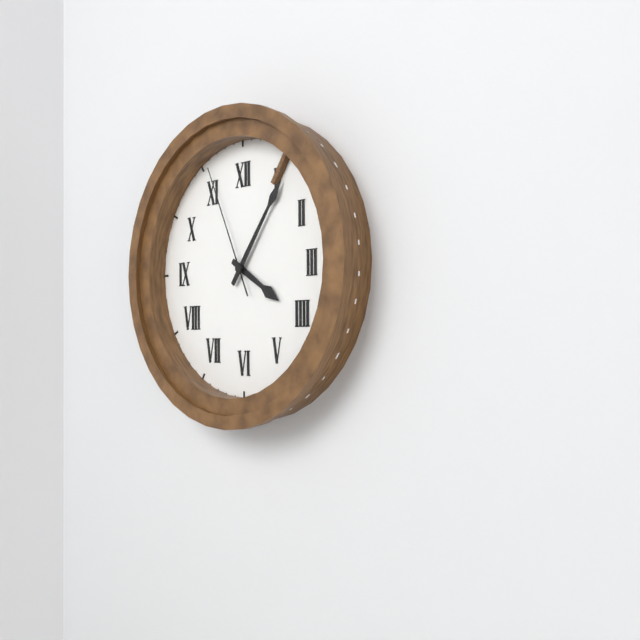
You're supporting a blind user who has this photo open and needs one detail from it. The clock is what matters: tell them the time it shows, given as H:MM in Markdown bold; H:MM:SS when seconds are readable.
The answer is **4:06:56**
